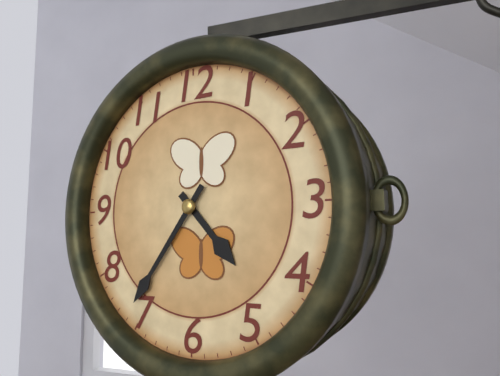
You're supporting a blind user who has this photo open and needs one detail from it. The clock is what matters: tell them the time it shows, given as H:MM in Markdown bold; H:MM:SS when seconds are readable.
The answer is **4:36**
